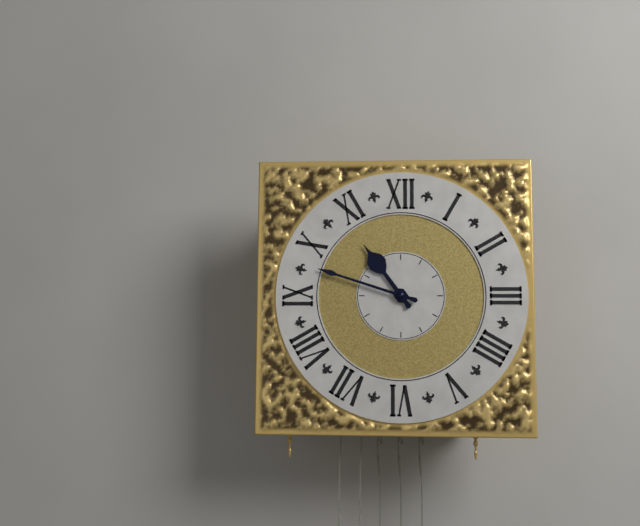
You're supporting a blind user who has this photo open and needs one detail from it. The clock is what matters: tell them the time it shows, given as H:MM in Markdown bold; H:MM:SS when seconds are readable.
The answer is **10:48**
